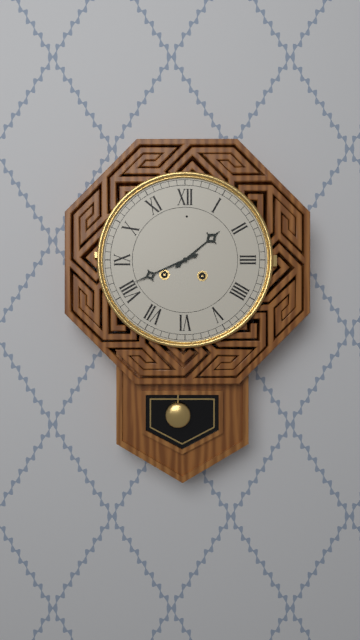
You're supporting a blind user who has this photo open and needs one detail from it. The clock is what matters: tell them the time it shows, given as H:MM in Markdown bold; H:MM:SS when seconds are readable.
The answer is **1:41**
